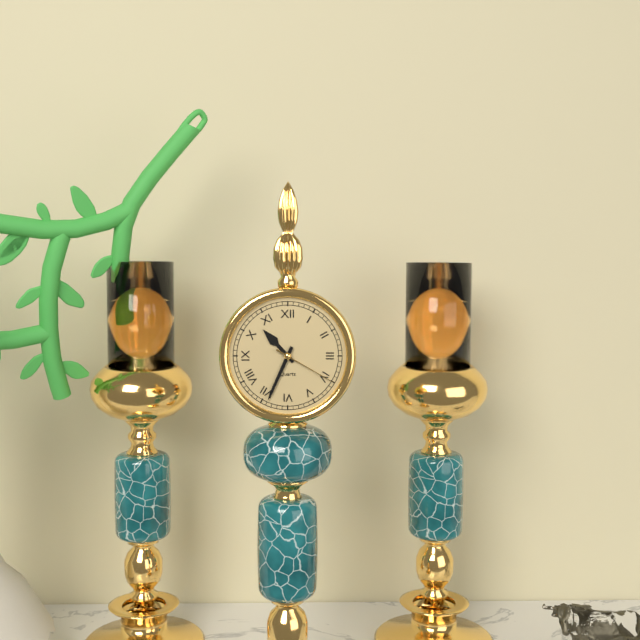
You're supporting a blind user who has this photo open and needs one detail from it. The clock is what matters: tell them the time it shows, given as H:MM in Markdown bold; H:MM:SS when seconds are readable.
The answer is **10:34:20**
